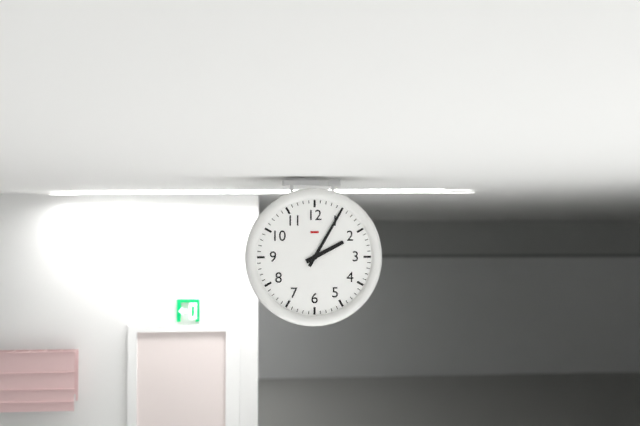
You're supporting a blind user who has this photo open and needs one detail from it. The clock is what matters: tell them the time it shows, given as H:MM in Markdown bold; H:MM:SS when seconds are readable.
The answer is **2:05**
